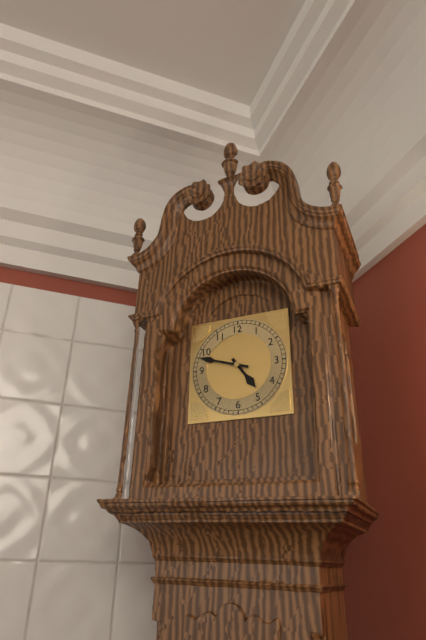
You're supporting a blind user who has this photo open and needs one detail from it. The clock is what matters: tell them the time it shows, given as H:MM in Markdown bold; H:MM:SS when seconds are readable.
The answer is **4:48**
